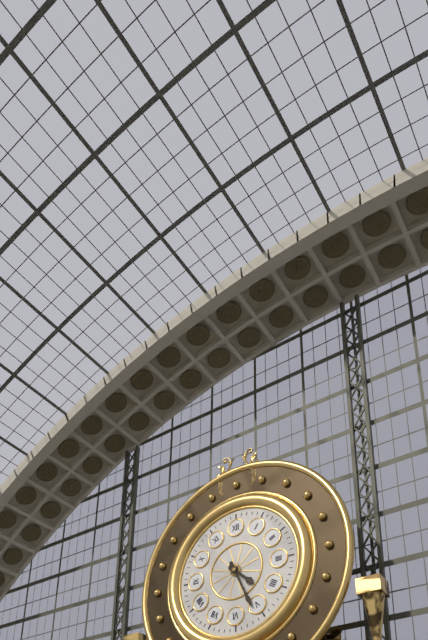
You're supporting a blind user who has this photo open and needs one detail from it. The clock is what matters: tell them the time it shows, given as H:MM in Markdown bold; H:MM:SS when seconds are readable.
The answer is **4:26**
